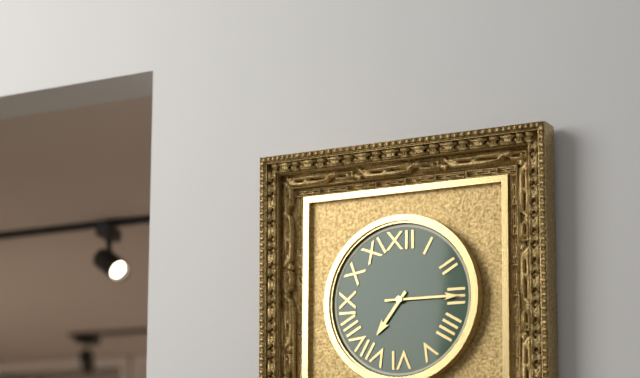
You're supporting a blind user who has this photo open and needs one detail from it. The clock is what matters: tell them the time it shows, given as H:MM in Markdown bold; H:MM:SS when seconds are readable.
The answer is **7:15**
